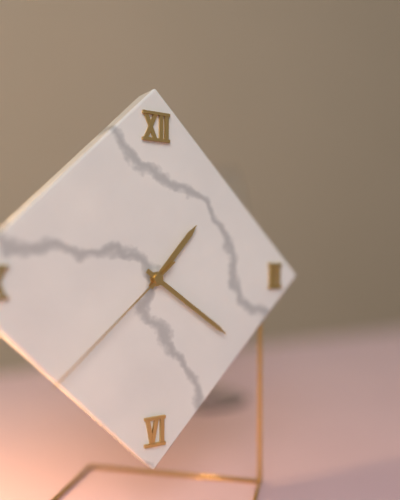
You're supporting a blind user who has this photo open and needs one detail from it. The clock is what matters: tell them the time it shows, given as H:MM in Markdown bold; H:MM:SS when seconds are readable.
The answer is **1:21:38**
